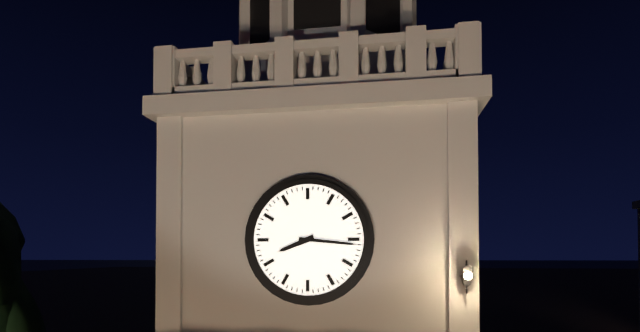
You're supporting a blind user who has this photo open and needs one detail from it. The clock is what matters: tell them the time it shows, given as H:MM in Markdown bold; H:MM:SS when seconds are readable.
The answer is **8:16**
